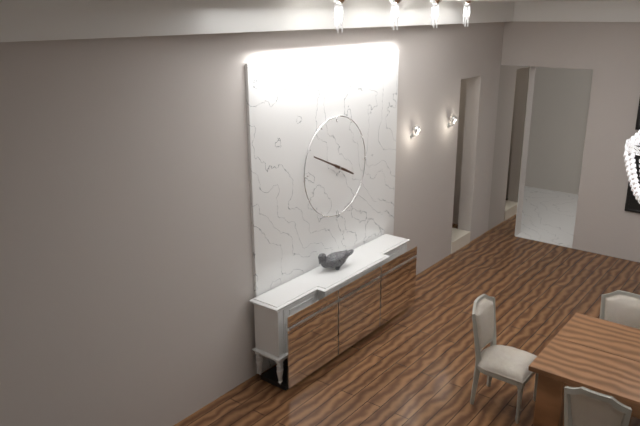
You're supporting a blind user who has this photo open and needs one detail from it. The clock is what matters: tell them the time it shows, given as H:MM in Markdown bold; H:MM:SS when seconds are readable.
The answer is **3:49**
